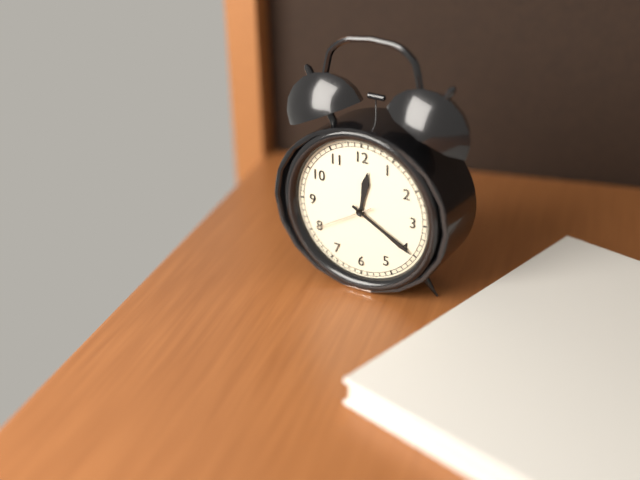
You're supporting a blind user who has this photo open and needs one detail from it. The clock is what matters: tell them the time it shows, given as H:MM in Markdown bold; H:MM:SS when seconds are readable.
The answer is **12:20:40**
